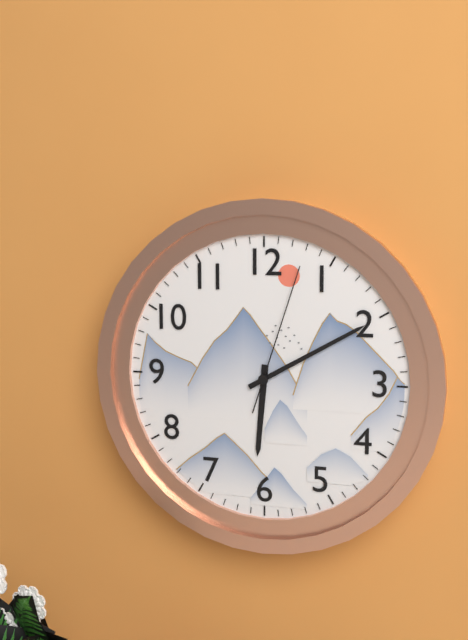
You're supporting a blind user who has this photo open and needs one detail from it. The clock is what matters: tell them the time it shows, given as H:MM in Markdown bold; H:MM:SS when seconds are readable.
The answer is **6:10:03**
